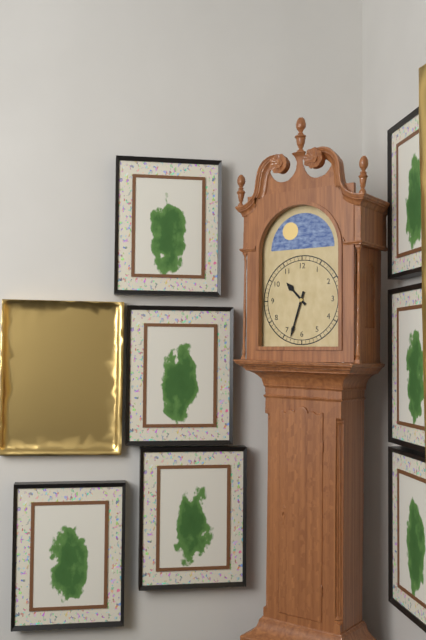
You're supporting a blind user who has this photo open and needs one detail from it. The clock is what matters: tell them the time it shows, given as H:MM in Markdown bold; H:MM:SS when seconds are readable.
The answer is **10:33**
